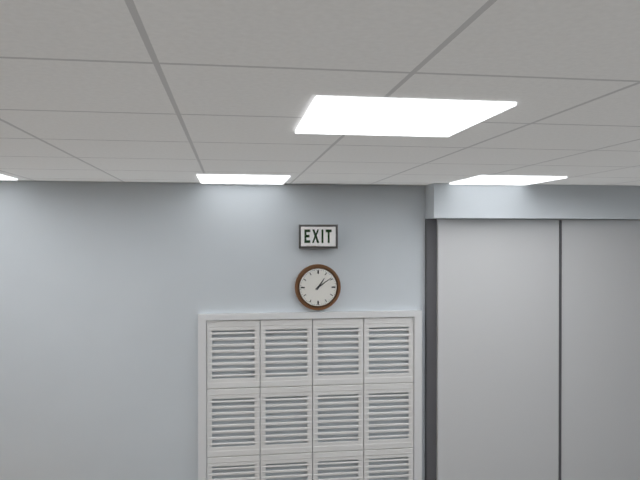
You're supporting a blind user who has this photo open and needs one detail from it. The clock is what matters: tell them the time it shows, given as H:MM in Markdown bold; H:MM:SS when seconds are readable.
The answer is **1:09**
